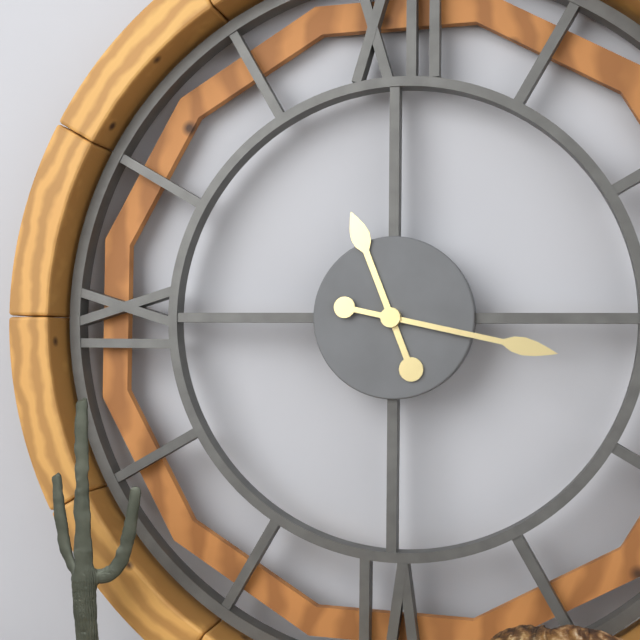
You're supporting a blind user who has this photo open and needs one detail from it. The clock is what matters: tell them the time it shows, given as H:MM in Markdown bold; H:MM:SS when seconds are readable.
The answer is **11:17**
